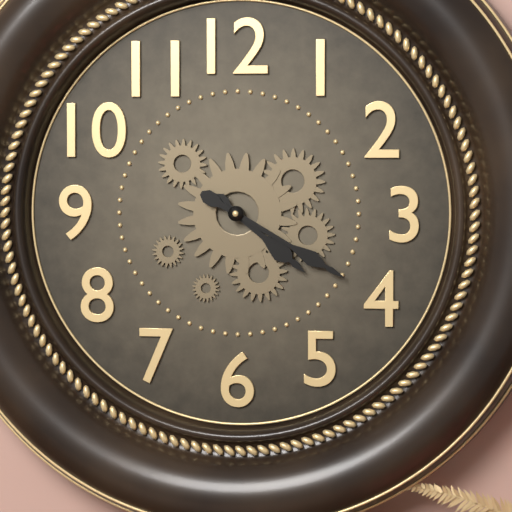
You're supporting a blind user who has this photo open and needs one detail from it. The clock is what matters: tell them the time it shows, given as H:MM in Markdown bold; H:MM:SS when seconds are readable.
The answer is **4:20**
